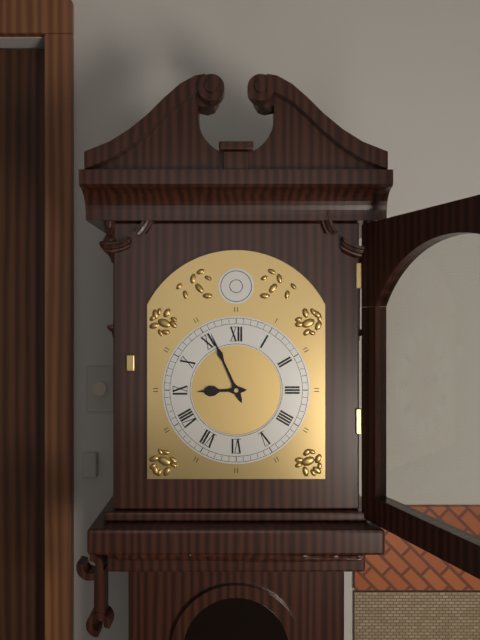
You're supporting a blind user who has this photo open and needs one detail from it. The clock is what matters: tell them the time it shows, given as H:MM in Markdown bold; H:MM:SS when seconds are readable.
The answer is **8:56**
